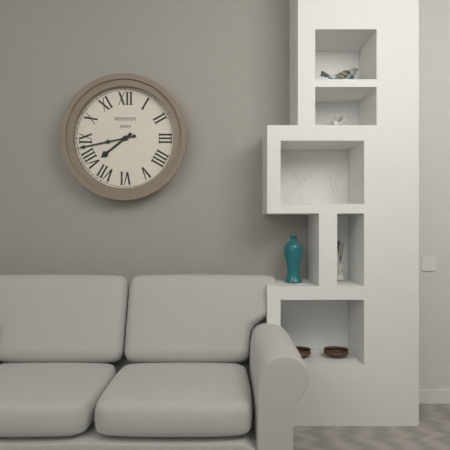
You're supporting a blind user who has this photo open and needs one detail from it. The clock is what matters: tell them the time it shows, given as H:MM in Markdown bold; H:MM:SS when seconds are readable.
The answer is **7:43**
